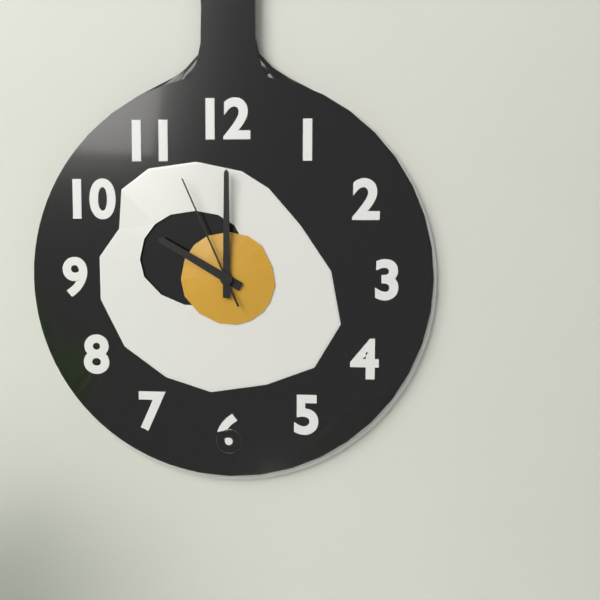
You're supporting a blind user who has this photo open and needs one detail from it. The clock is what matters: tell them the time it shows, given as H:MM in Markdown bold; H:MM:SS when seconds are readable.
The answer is **10:00:56**
